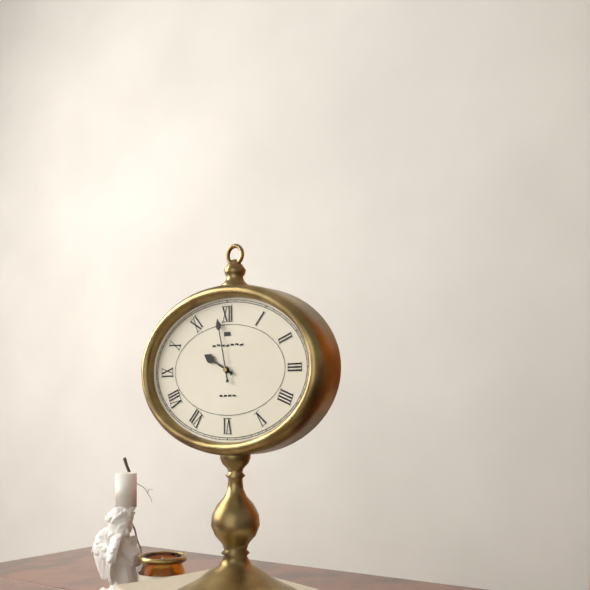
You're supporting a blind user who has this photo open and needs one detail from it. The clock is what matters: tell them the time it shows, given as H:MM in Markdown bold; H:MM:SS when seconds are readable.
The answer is **9:58**
